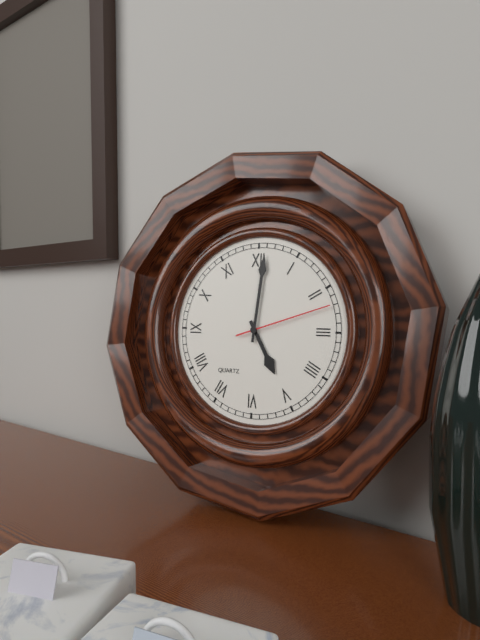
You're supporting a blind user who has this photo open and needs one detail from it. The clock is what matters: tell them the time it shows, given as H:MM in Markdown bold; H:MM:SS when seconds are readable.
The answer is **5:01:12**
